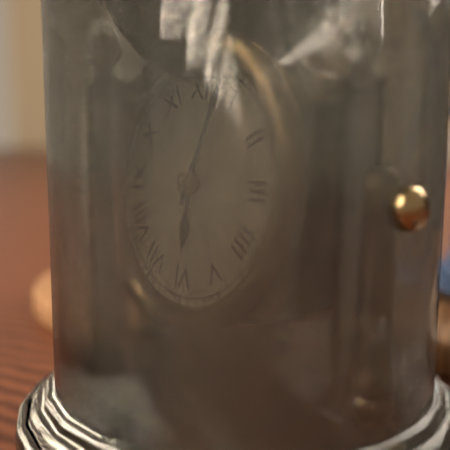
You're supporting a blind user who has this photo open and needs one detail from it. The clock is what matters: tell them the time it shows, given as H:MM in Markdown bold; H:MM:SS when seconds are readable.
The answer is **6:03**
